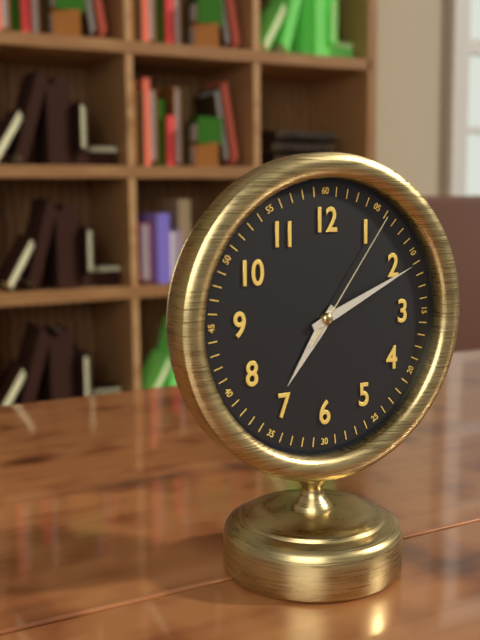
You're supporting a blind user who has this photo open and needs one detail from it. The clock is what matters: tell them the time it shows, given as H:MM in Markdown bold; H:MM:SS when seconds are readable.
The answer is **7:11:06**
